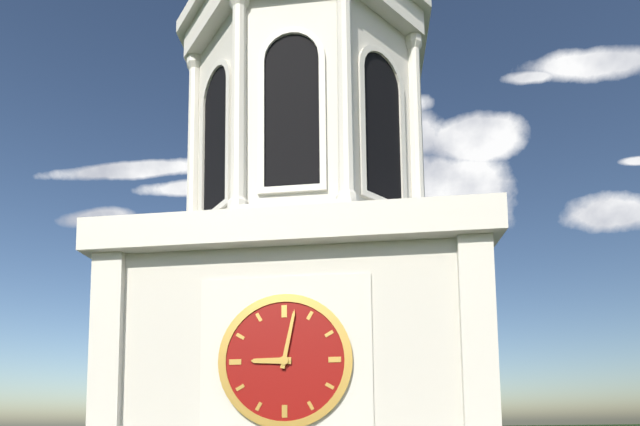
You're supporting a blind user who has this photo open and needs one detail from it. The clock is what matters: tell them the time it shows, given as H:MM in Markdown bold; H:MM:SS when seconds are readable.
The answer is **9:02**
